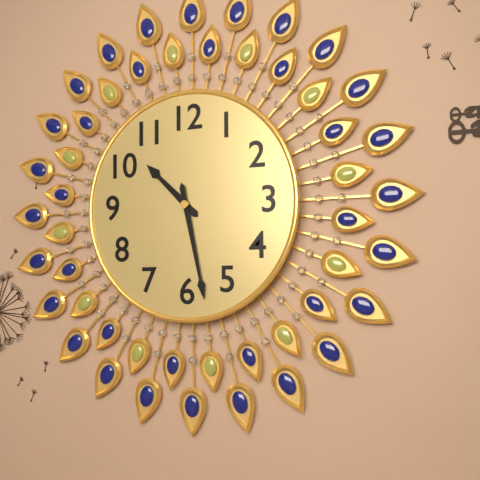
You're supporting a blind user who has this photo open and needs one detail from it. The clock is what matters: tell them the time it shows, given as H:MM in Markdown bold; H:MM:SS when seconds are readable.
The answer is **10:28**
